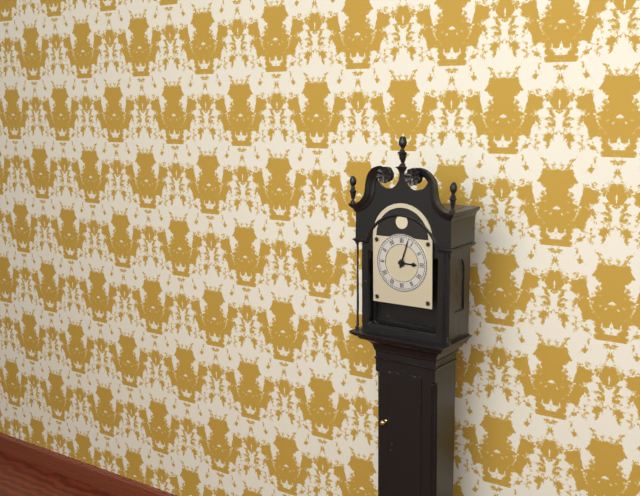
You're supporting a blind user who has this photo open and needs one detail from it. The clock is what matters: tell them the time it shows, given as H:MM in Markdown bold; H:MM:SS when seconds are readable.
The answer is **3:03**
